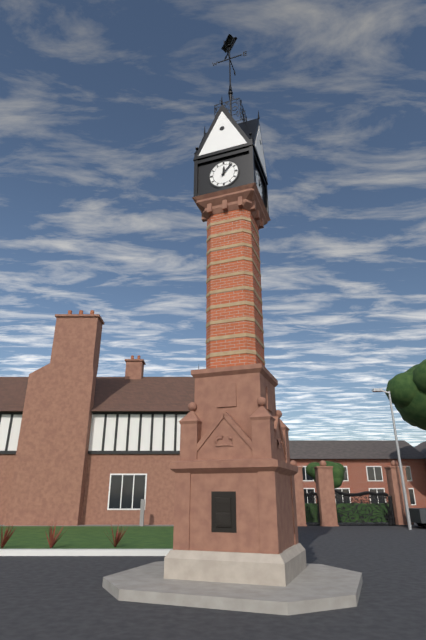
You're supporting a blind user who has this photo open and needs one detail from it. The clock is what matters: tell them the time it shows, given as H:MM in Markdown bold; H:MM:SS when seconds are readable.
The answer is **12:07**
